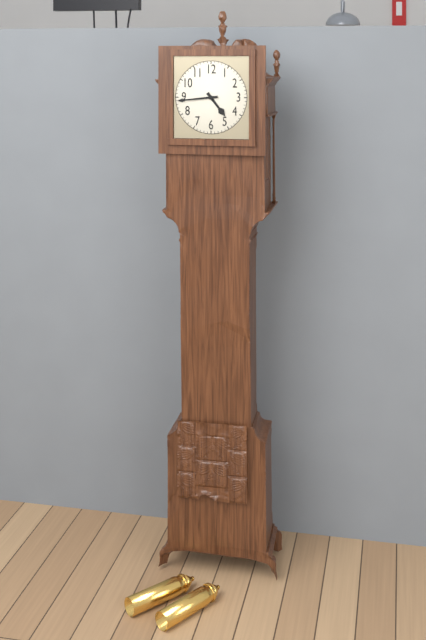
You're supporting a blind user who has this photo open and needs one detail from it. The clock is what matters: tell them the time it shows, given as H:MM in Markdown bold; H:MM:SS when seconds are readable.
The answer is **4:44**
